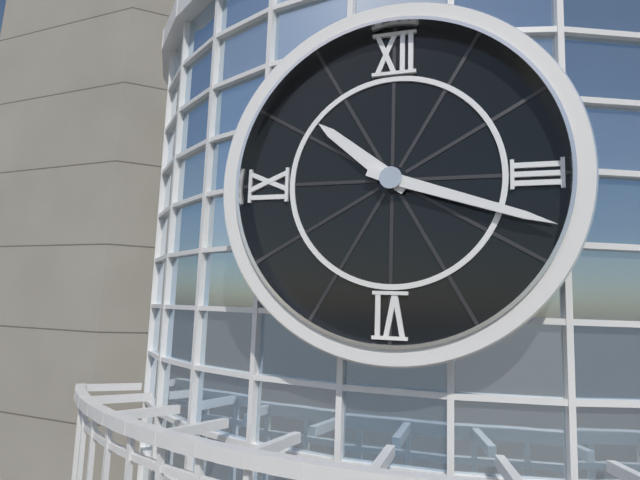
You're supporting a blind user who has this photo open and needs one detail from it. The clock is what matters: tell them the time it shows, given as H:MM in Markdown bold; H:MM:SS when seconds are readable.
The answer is **10:18**
